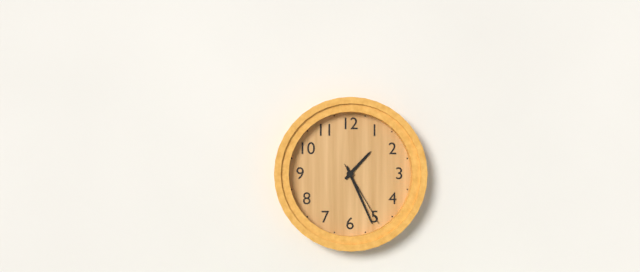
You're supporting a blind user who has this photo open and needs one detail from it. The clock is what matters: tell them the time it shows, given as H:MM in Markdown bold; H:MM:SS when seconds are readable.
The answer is **1:26:25**
